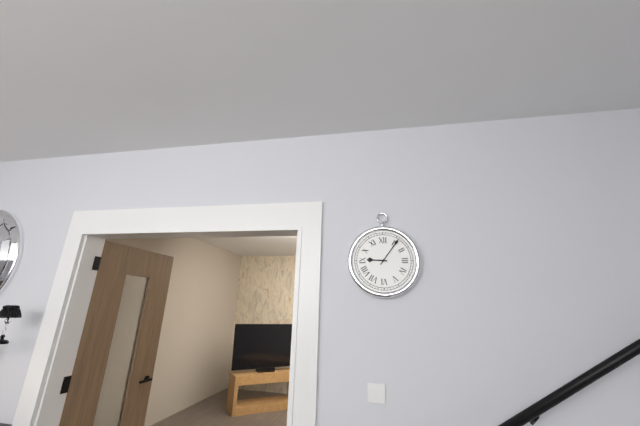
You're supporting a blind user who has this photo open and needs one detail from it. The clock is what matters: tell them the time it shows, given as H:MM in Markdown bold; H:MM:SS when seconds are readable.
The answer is **9:06**
